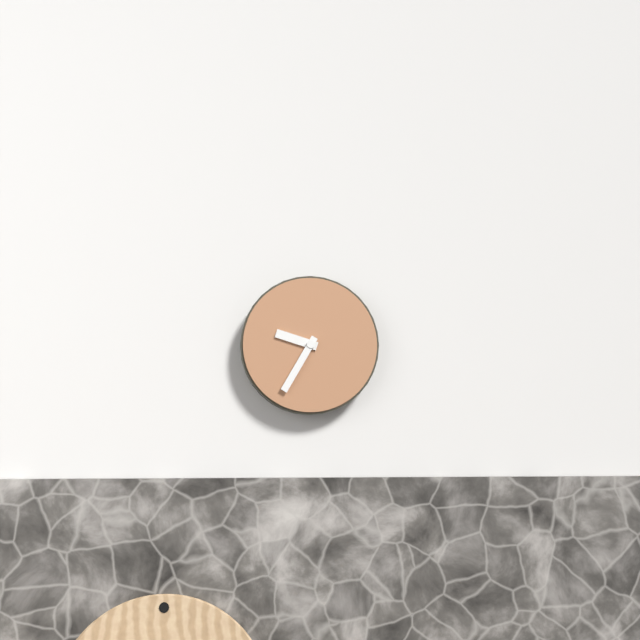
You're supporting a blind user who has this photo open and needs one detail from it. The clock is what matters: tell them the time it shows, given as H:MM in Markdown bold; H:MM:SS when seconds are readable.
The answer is **9:35**
